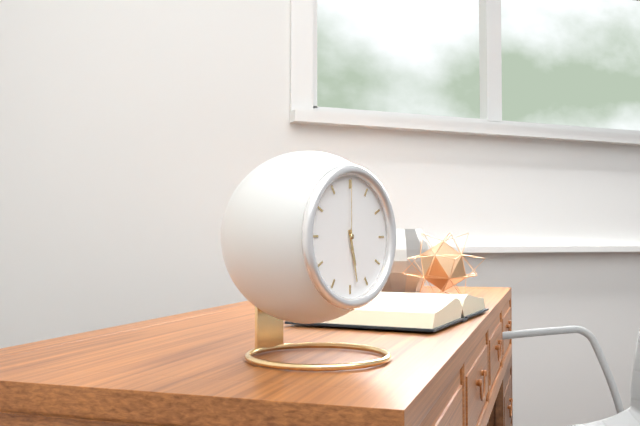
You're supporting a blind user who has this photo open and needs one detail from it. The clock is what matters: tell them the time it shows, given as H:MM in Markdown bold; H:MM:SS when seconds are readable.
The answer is **5:28:00**
